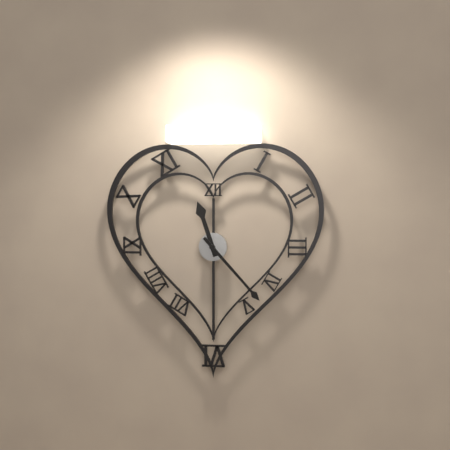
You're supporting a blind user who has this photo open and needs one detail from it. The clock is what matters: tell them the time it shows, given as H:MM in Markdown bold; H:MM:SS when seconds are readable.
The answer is **11:23**
